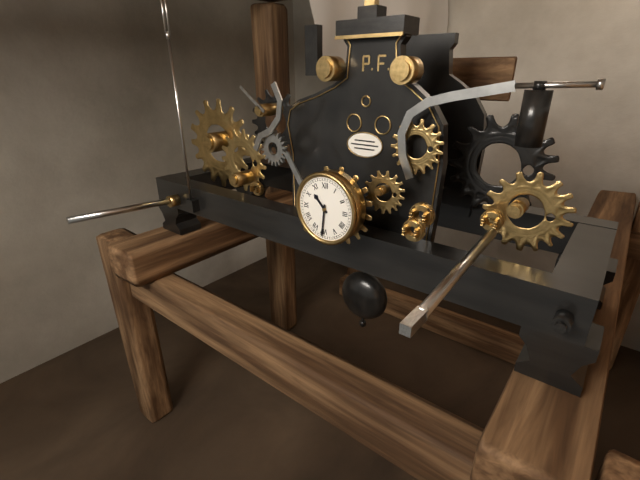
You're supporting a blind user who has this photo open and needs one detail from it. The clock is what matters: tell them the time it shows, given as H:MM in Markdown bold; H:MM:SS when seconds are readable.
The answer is **10:31**
